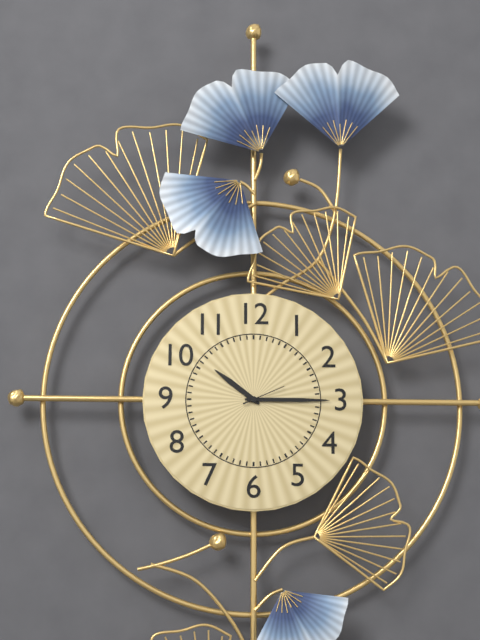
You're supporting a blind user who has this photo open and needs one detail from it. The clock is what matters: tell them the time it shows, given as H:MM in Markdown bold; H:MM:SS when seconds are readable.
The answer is **10:15**
